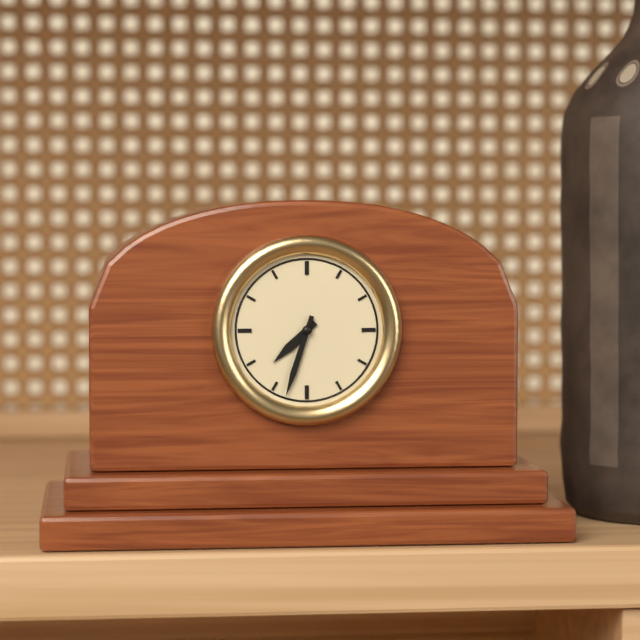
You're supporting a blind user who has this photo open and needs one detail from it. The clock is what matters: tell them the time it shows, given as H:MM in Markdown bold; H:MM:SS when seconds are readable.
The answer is **7:33**
